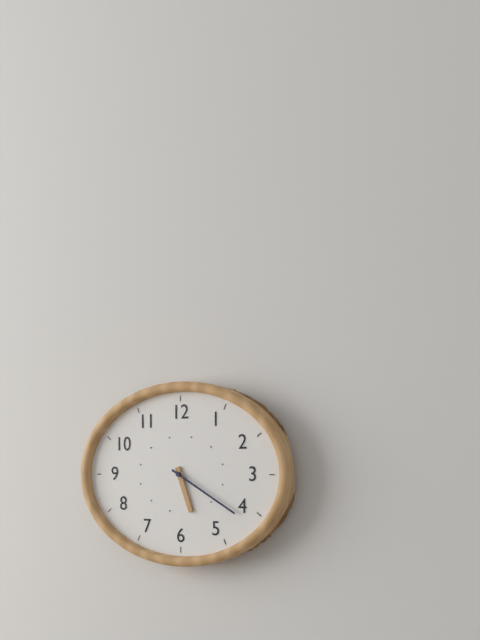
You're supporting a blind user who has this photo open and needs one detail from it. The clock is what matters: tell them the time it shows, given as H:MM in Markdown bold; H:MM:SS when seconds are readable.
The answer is **5:20**
